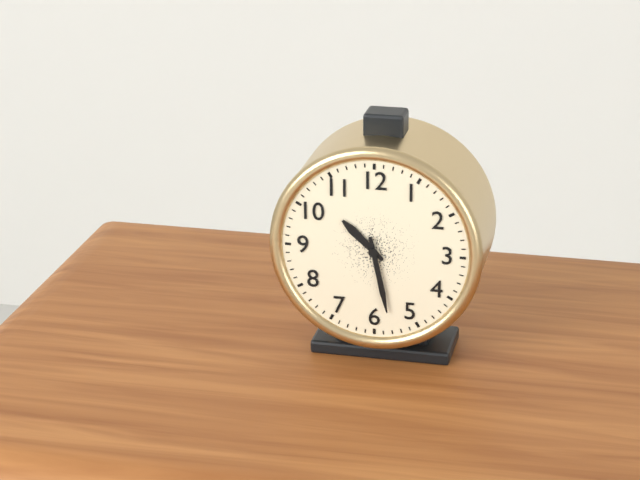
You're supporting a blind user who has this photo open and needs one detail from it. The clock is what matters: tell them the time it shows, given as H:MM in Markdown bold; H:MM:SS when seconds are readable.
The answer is **10:28**
